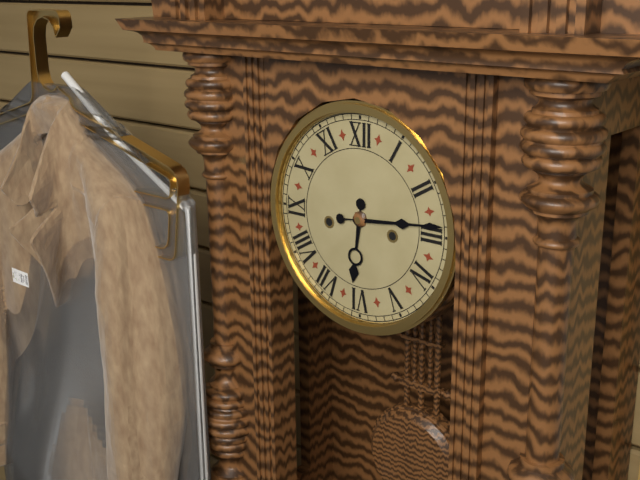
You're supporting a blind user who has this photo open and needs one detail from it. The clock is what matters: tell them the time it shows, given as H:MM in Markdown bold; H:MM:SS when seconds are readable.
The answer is **6:14**
